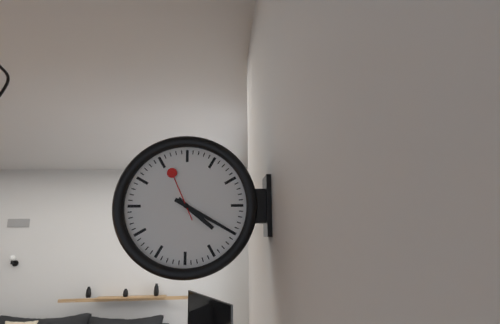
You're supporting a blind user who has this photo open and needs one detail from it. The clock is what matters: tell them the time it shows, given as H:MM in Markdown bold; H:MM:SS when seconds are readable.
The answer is **4:20:56**
